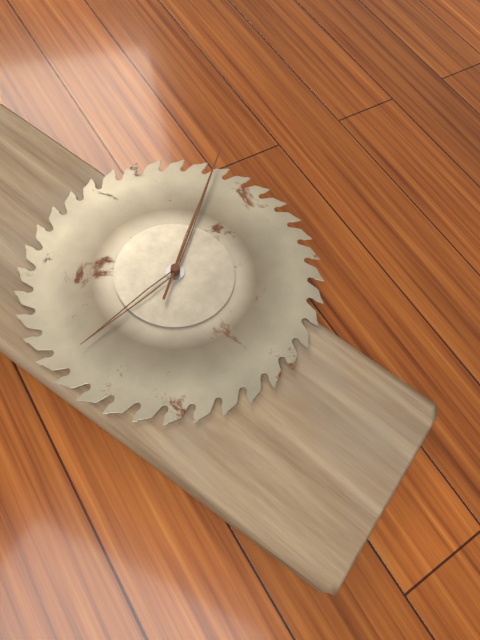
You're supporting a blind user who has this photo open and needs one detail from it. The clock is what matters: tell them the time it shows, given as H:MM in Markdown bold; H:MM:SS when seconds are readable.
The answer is **9:11:11**
